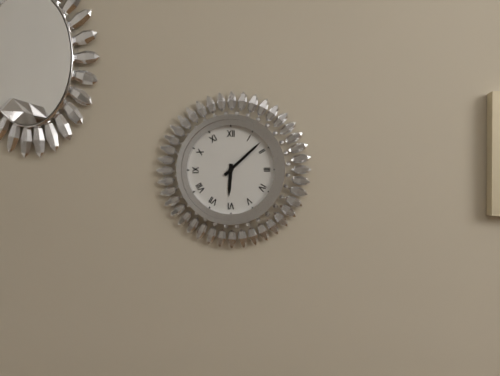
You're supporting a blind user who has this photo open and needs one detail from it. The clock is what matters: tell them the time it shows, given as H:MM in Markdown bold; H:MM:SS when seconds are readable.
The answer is **6:08**
